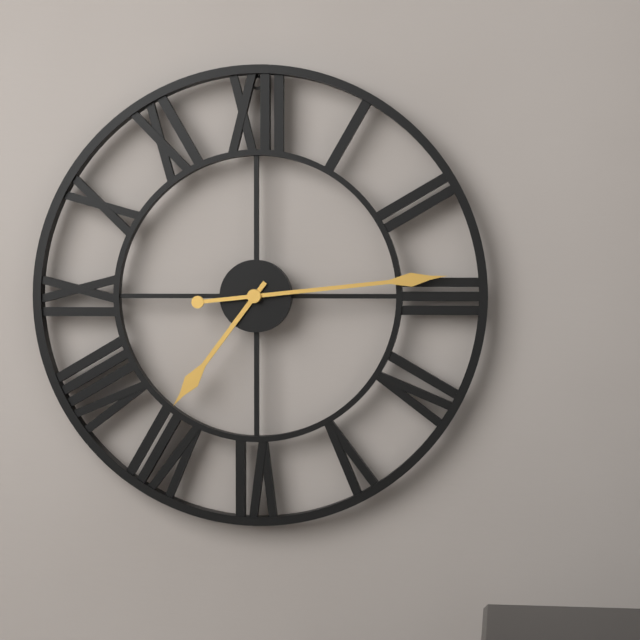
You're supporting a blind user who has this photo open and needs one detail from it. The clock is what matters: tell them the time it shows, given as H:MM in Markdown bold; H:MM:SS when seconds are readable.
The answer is **7:14**
